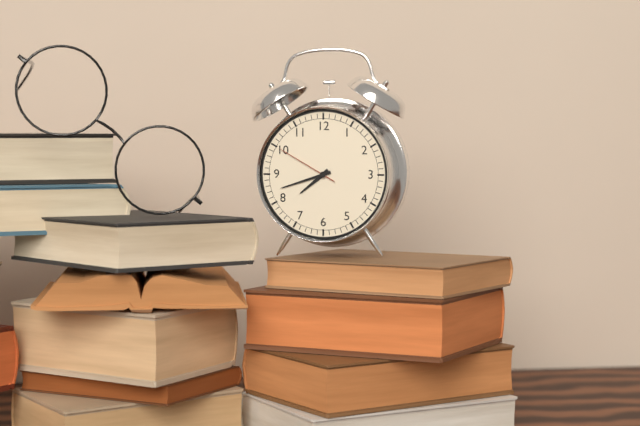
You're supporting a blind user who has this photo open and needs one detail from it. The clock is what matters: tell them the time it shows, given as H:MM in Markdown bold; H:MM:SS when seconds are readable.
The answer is **7:42:50**
